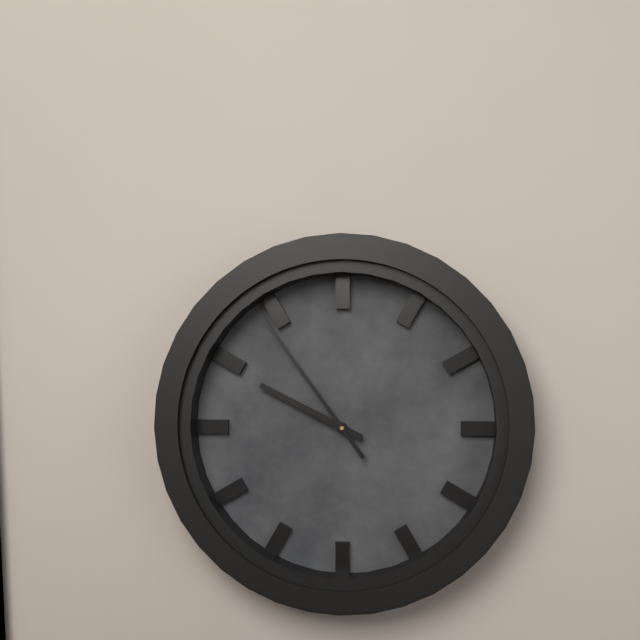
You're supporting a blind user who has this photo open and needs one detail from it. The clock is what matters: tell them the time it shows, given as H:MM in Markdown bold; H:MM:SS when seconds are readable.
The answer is **9:54**
